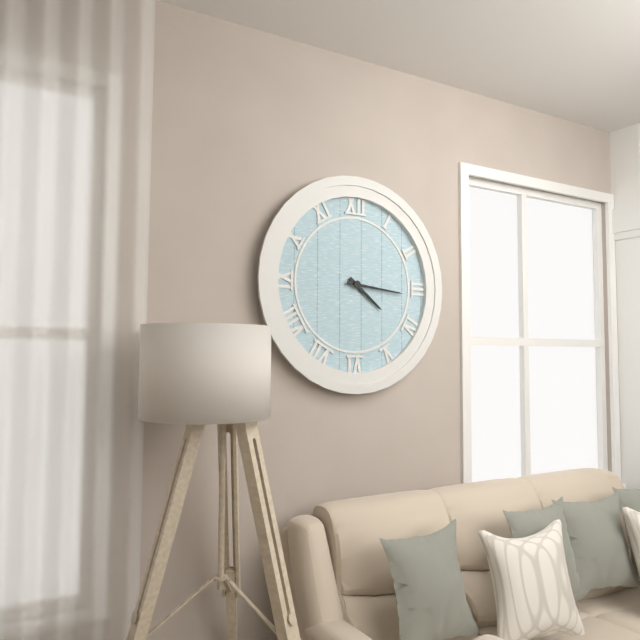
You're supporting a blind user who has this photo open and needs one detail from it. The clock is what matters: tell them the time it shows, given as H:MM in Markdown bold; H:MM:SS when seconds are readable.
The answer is **4:16**
